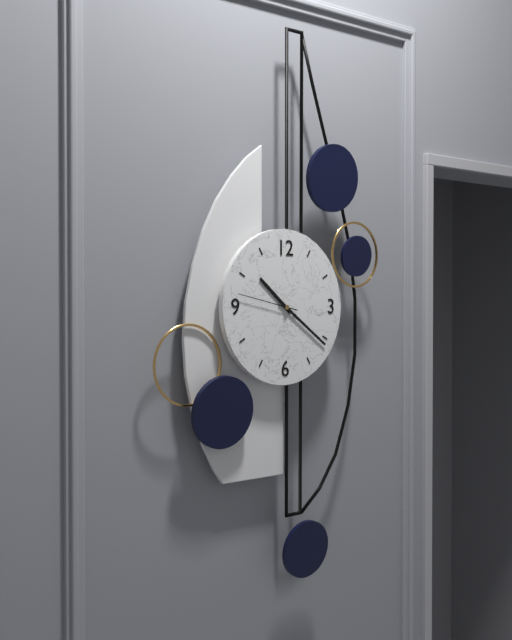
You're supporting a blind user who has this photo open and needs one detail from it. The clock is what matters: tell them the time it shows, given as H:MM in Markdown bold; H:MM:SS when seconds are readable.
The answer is **10:21**
